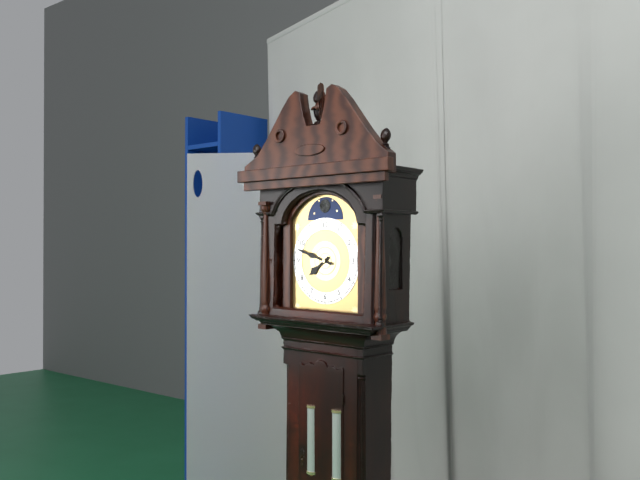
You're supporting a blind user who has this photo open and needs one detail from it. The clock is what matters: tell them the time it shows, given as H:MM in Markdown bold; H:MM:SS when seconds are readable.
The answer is **7:48**
